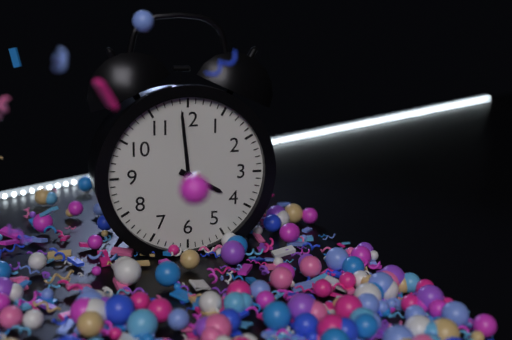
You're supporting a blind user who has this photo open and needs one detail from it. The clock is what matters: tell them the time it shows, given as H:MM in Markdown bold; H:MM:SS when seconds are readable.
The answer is **3:59**
